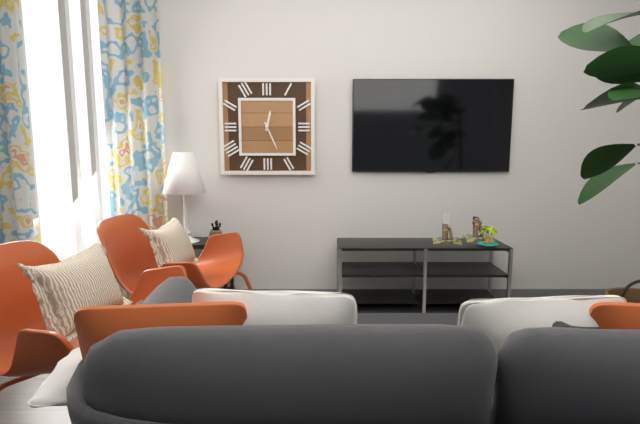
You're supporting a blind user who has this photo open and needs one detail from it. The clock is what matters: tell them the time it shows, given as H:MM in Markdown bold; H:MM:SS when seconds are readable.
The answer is **12:26**
